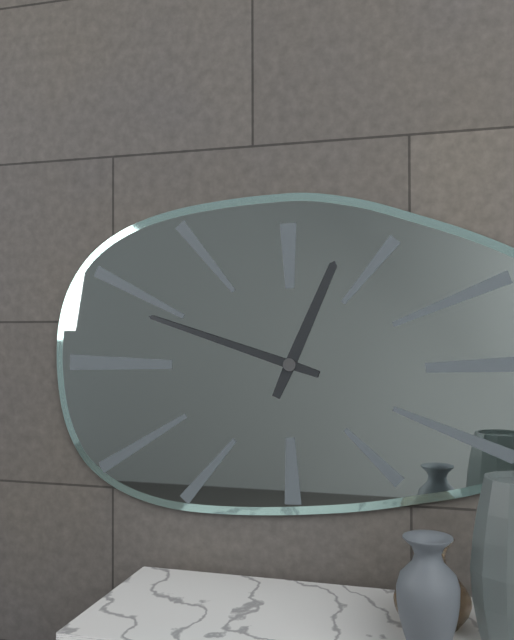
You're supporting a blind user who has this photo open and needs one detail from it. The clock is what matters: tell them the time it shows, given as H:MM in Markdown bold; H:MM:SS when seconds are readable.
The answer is **12:48**
